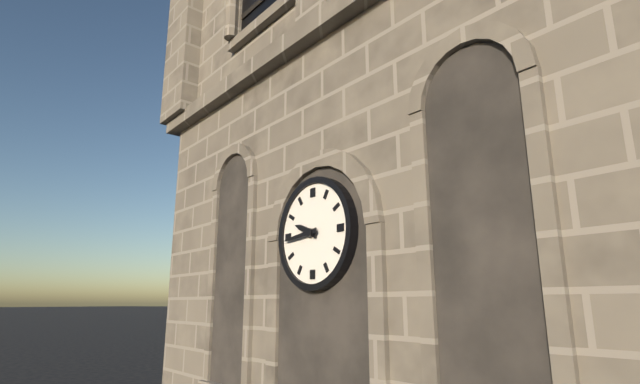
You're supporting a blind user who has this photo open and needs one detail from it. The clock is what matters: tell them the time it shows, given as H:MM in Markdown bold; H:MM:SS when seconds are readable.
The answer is **9:44**
